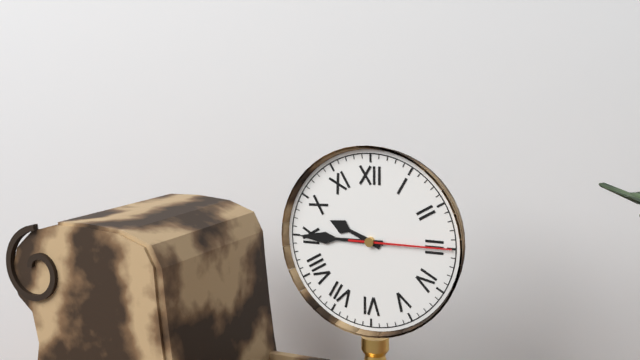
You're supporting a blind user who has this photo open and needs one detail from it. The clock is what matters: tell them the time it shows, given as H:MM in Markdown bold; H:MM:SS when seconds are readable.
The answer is **9:45:15**
